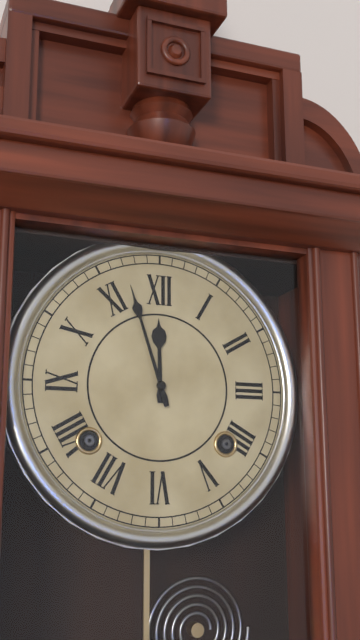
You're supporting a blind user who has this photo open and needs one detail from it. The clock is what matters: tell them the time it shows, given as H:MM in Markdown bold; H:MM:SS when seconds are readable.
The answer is **11:57**
